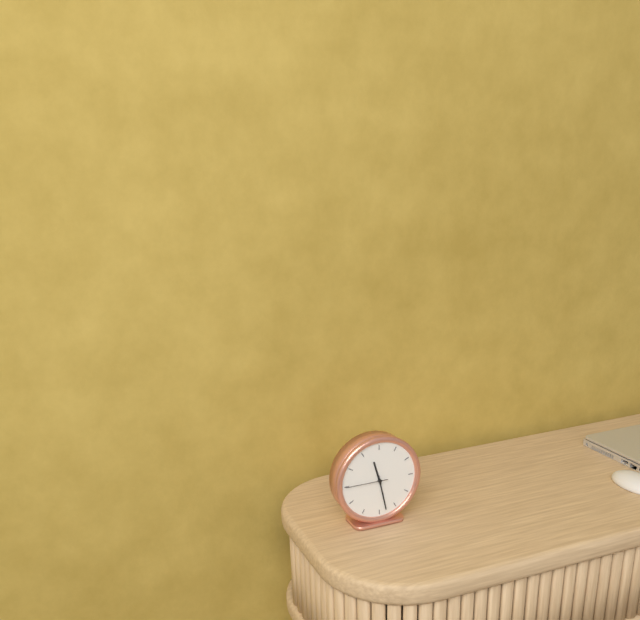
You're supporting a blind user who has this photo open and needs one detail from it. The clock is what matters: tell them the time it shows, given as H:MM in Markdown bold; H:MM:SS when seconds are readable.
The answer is **11:28**
